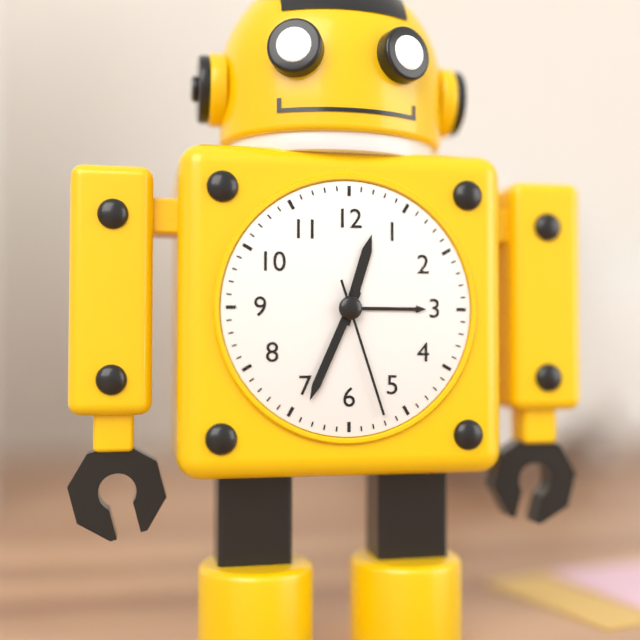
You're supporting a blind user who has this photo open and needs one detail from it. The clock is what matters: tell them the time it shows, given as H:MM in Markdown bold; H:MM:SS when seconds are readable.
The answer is **12:34:27**
